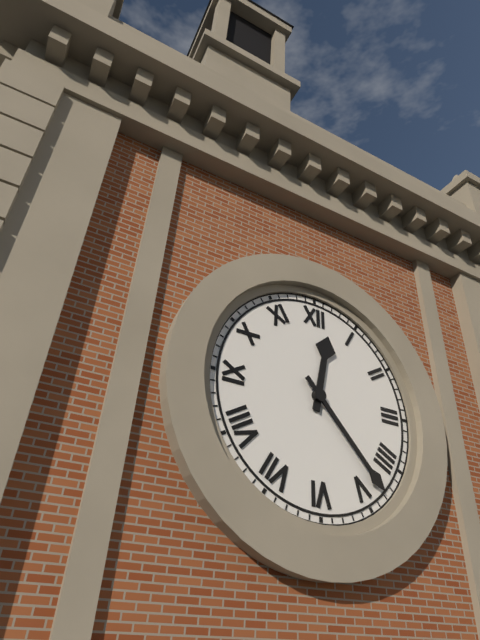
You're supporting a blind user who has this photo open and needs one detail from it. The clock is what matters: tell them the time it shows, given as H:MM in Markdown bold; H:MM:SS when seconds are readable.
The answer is **12:23**
